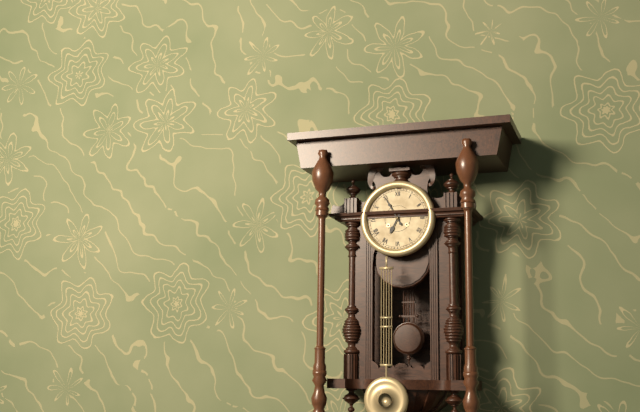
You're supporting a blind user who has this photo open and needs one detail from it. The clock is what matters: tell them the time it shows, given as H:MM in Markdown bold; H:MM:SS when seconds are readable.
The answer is **6:55**
